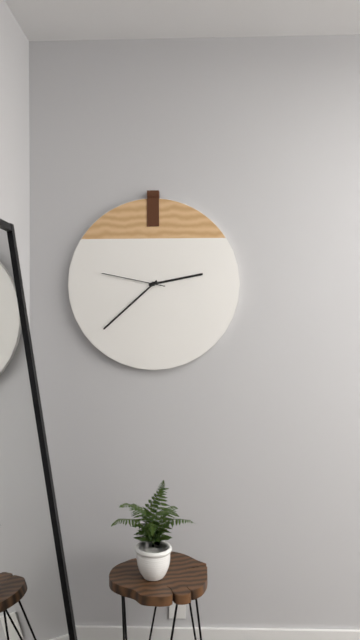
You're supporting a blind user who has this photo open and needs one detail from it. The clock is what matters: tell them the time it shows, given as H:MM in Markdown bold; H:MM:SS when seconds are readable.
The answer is **2:38:47**
